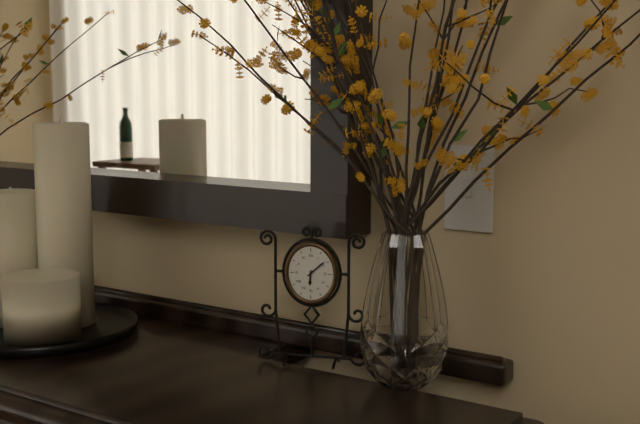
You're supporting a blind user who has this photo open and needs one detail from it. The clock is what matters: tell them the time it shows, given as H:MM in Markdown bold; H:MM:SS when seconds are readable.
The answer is **6:08**
